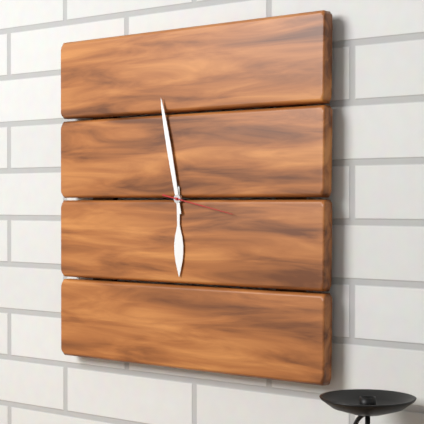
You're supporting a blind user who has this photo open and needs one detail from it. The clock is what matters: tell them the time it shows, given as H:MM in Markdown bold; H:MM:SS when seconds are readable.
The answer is **5:58:17**
